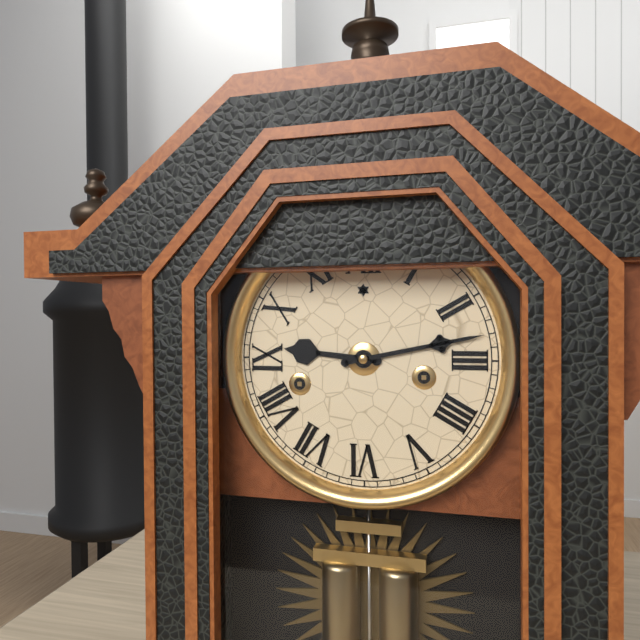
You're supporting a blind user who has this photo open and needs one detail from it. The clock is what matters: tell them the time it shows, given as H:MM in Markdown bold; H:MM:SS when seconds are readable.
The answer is **9:13**
